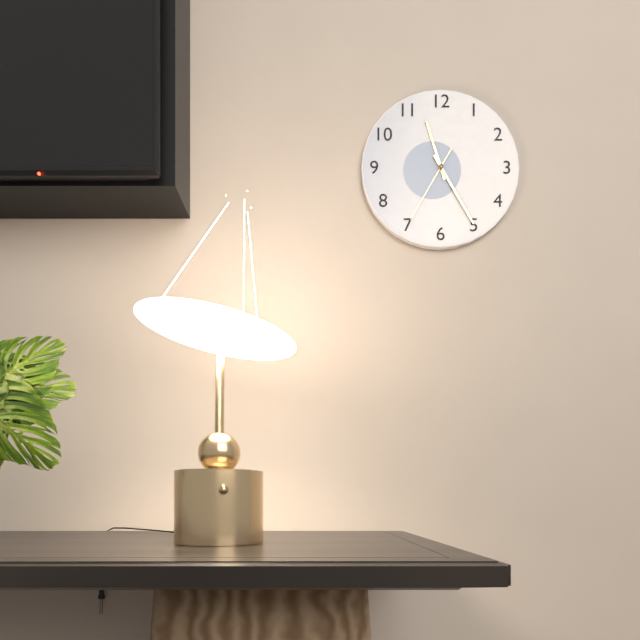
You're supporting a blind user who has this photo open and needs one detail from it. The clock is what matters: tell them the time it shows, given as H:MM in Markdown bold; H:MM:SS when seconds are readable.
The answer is **11:25:35**
